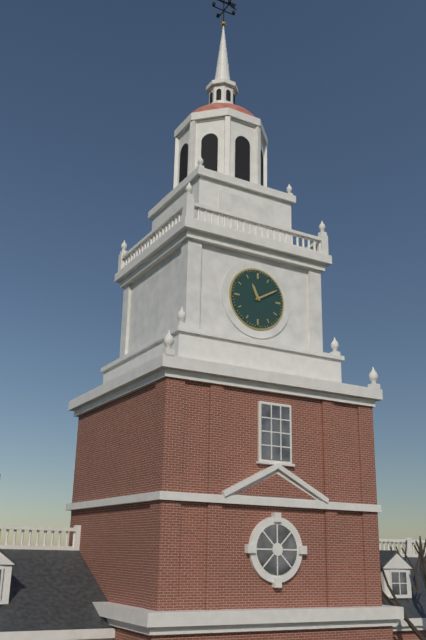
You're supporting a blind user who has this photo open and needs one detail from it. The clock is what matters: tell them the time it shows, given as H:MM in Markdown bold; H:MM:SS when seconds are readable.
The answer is **11:10**
